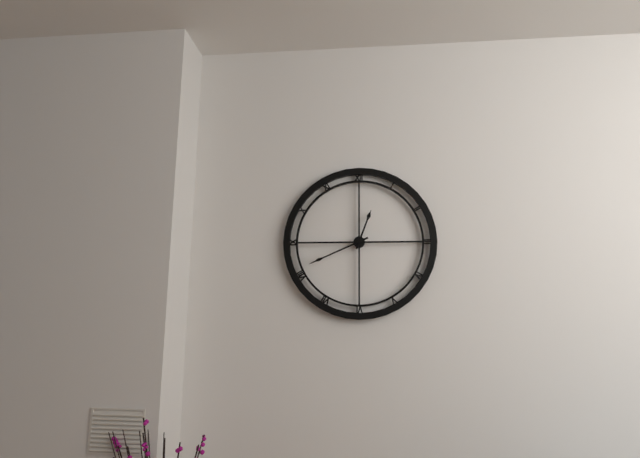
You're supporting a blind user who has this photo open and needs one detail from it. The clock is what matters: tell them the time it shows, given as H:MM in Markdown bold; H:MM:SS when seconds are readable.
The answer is **12:41**
